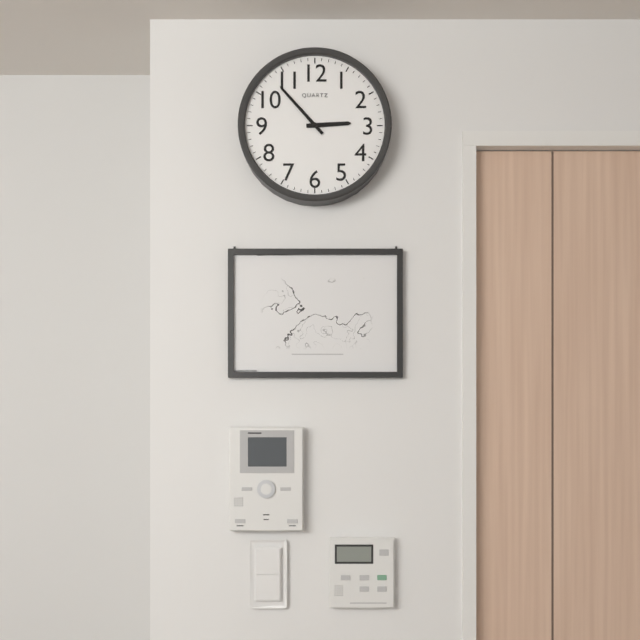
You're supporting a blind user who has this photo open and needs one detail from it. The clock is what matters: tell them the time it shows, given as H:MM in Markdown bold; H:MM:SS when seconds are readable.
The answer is **2:53**
